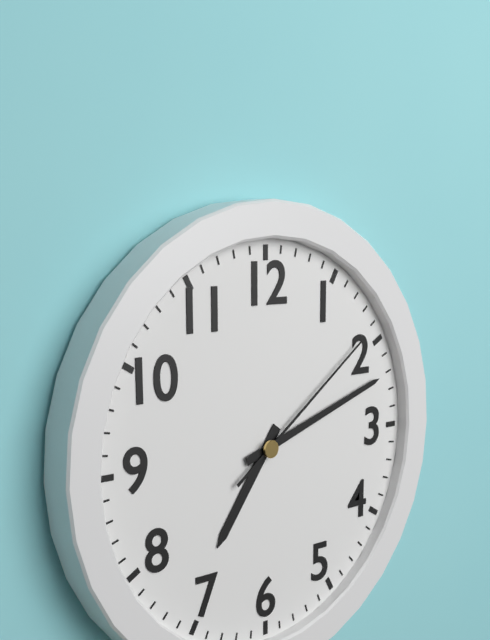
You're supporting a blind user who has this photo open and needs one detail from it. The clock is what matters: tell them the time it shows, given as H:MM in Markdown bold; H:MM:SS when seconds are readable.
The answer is **7:12:09**
